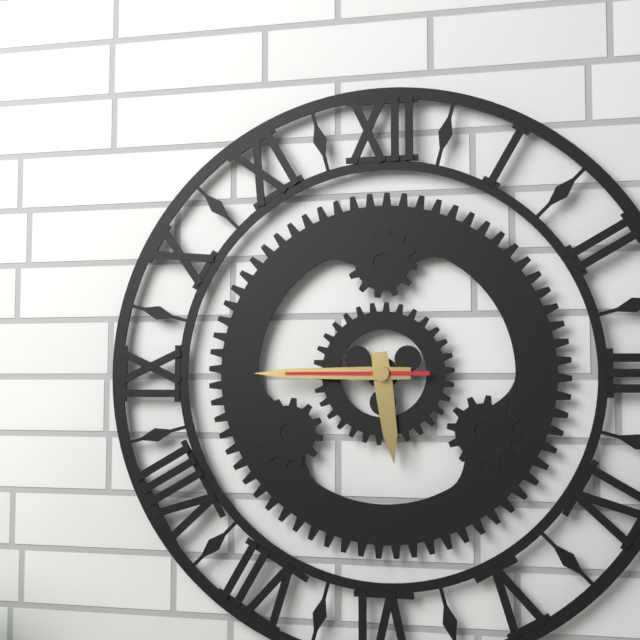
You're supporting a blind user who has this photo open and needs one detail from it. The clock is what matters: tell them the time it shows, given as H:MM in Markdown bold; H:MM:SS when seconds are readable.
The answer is **5:45:45**
